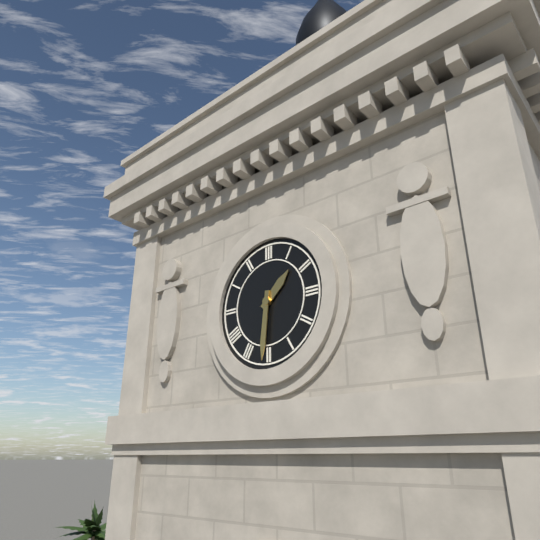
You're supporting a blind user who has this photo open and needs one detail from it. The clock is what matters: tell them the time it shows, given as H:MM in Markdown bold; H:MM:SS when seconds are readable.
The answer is **1:31**
